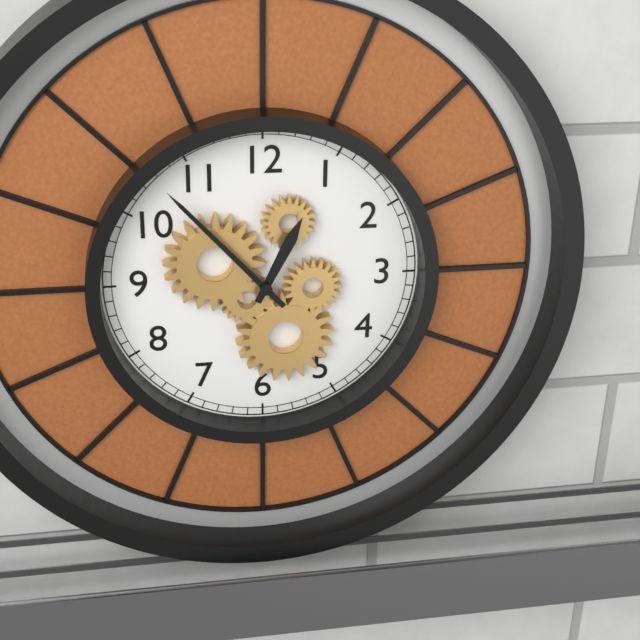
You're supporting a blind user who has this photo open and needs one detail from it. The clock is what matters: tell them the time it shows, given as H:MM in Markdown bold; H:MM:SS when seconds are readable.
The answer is **12:53**
